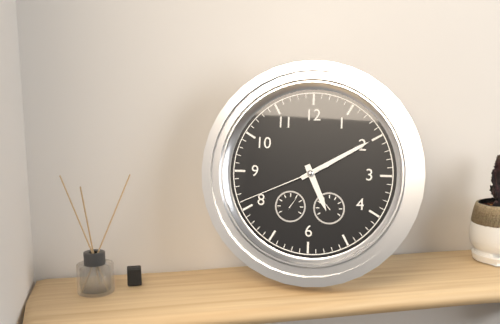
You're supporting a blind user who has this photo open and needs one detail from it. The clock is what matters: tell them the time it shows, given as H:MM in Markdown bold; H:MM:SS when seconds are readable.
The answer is **5:10:41**
